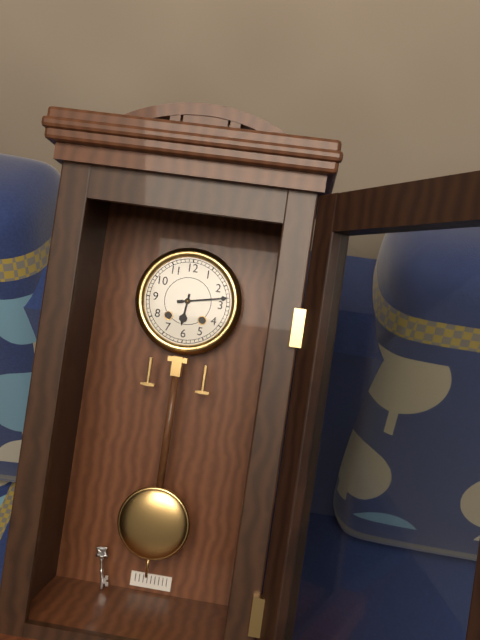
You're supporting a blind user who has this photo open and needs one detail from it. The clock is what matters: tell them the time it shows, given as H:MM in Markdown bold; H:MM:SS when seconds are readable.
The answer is **6:13**
